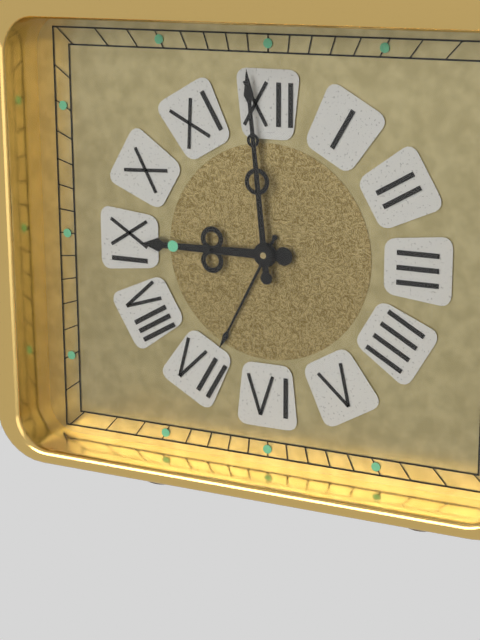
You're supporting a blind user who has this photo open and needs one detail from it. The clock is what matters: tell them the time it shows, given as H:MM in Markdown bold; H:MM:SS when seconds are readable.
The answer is **8:59**
